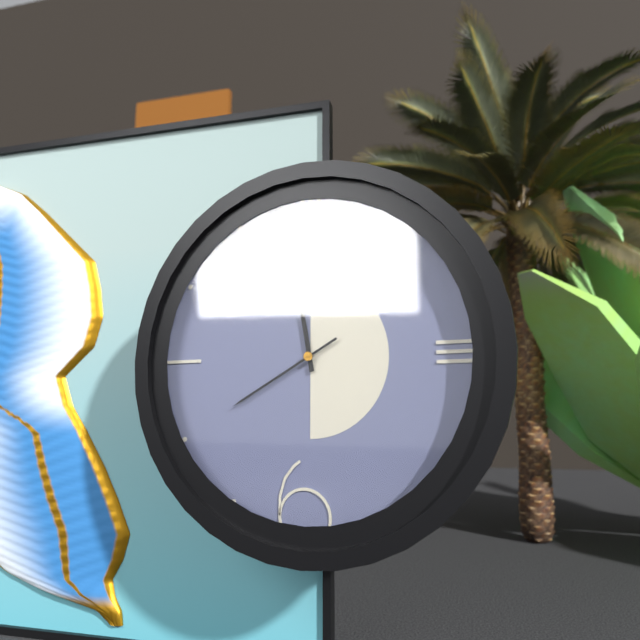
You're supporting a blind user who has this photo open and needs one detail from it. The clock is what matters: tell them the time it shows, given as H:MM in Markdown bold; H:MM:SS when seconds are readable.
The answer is **11:40**
